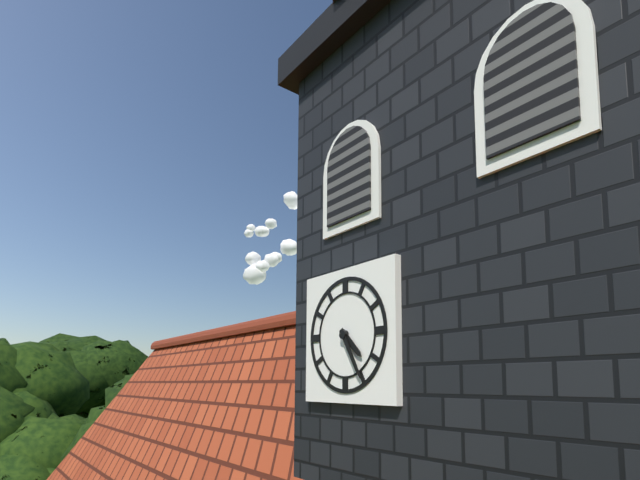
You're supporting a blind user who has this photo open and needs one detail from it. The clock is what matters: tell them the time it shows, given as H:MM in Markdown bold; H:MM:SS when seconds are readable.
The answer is **4:25**
